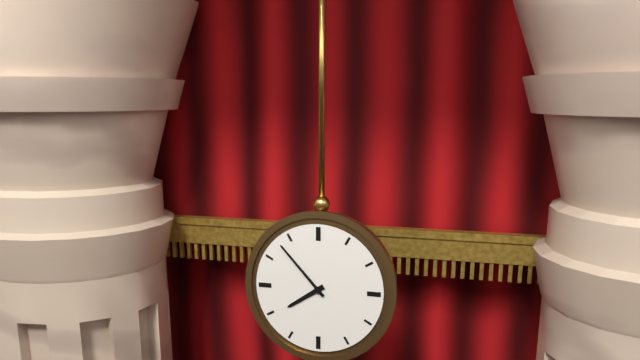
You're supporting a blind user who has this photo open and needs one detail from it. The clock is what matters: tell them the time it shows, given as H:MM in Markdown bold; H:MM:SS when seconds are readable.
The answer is **7:53**
